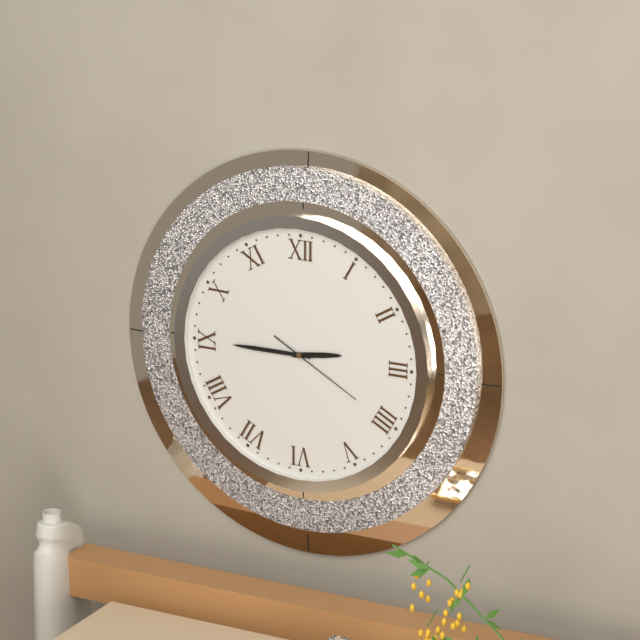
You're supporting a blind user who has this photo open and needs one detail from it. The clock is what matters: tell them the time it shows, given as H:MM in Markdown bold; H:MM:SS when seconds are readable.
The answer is **2:45:20**
